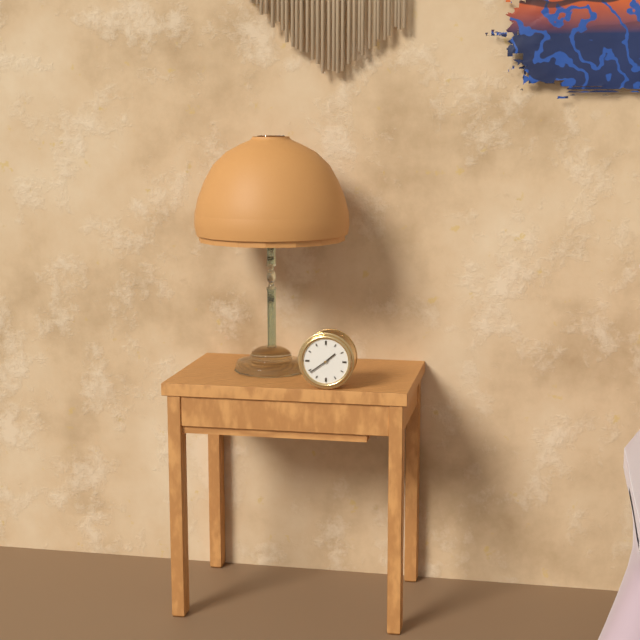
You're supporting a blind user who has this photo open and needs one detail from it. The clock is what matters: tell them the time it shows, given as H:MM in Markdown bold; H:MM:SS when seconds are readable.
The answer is **1:39**
